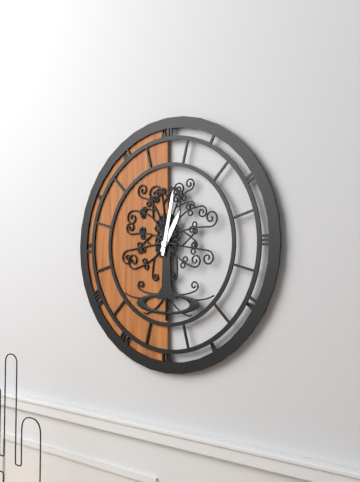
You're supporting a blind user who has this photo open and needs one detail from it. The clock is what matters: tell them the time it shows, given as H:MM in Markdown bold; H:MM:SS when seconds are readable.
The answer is **1:02**
